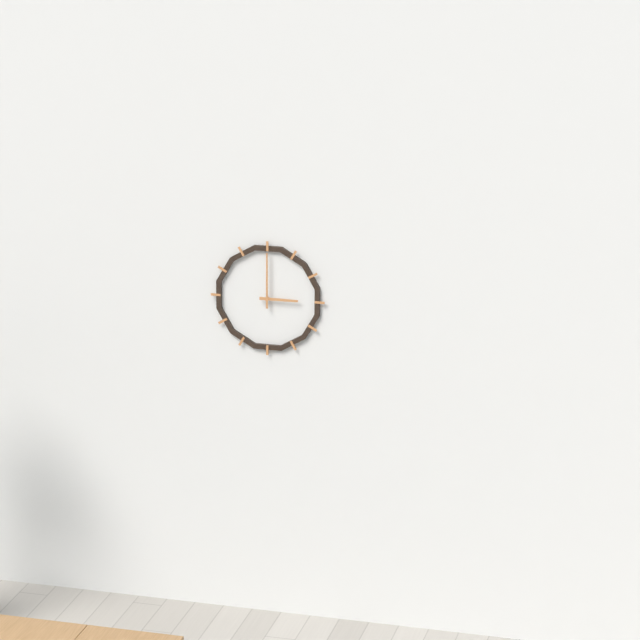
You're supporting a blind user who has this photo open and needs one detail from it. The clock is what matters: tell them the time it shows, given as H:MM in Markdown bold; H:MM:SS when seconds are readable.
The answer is **3:00**
